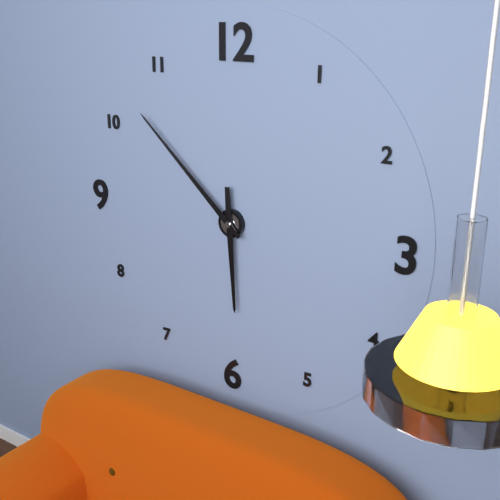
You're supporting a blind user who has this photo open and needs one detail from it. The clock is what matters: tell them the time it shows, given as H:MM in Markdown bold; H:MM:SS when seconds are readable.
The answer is **5:52**
